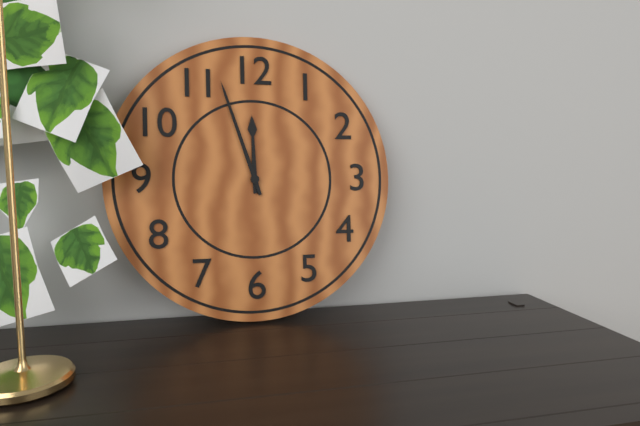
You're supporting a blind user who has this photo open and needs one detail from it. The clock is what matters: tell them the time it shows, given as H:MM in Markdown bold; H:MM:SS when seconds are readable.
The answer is **11:57**
